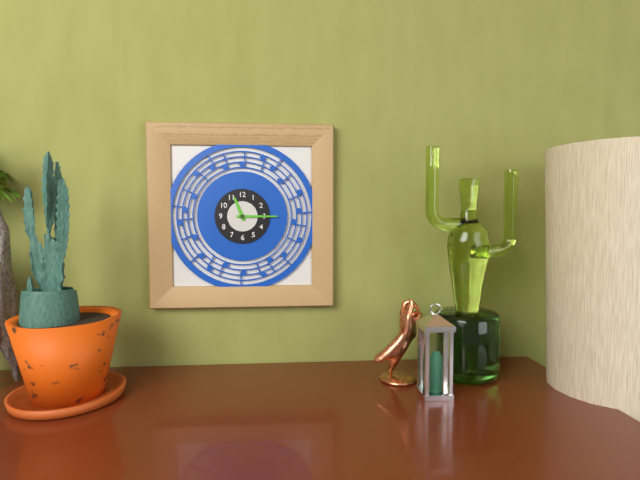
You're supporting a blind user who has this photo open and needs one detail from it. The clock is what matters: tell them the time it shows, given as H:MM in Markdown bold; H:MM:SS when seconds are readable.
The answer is **11:15**
